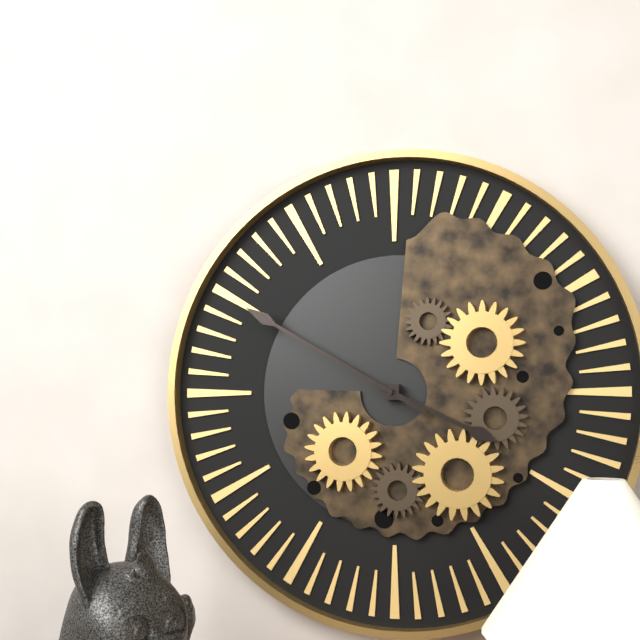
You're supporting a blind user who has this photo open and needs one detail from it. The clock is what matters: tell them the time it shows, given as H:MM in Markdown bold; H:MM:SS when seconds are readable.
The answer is **3:50**
